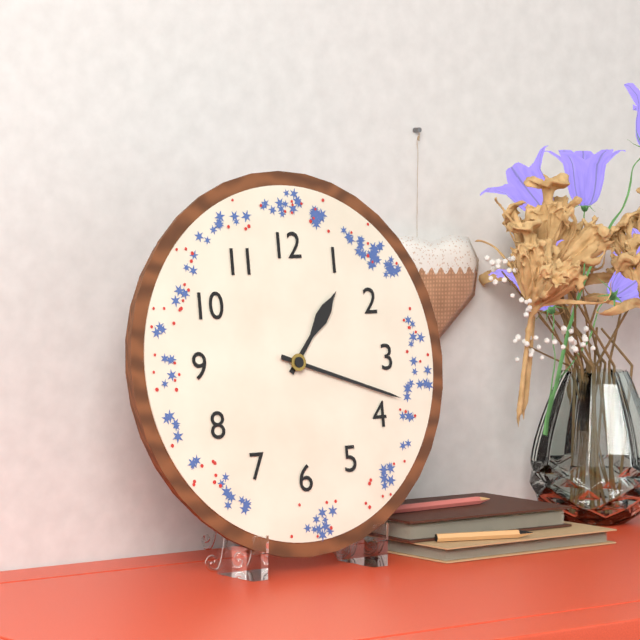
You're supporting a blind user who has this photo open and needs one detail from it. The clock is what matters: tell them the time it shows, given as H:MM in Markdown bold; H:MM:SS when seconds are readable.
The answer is **1:18**
